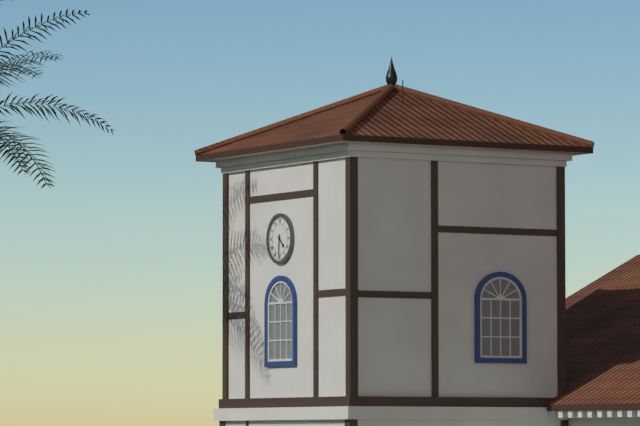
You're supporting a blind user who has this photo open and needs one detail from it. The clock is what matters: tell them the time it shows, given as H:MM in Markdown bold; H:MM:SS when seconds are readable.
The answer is **4:31**
